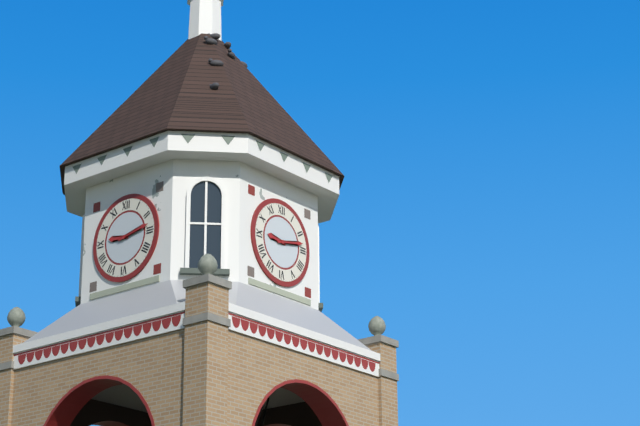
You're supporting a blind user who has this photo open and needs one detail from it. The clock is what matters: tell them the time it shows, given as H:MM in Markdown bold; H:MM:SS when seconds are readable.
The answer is **9:13**
